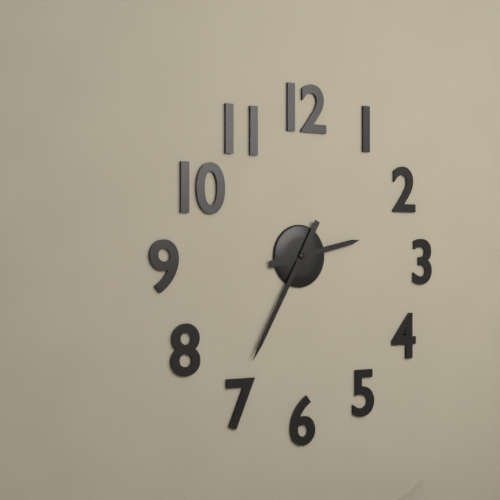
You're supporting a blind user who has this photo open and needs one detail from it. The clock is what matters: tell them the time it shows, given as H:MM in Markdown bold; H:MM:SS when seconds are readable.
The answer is **2:35**
